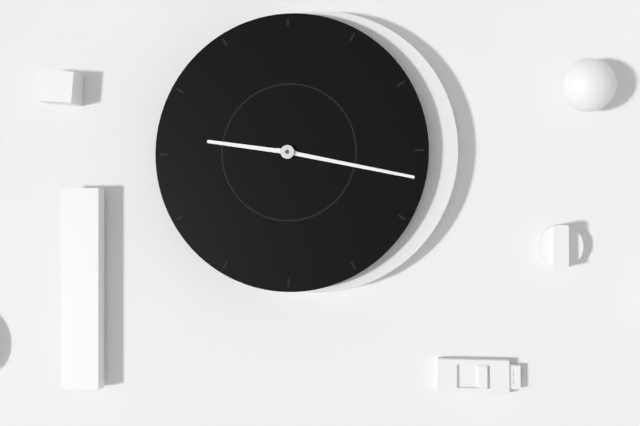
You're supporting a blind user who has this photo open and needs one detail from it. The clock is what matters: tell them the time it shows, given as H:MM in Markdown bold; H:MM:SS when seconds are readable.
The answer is **9:17**
